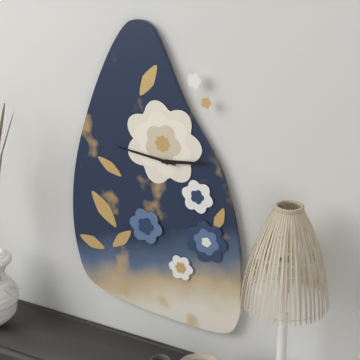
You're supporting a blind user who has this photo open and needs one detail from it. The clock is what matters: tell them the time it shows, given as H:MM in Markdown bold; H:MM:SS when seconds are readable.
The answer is **2:46**
